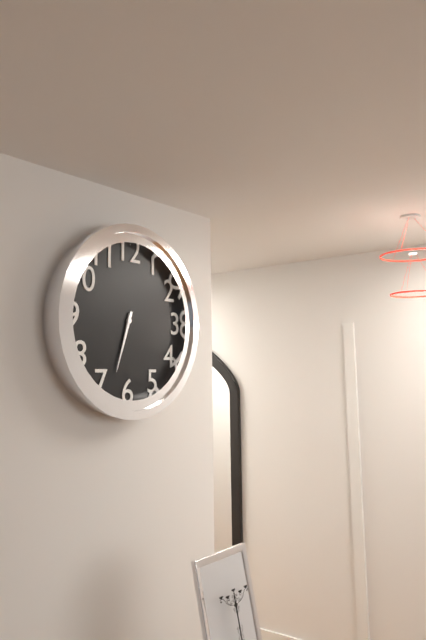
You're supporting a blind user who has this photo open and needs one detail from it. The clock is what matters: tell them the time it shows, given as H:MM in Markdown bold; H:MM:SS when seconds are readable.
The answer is **6:33**
